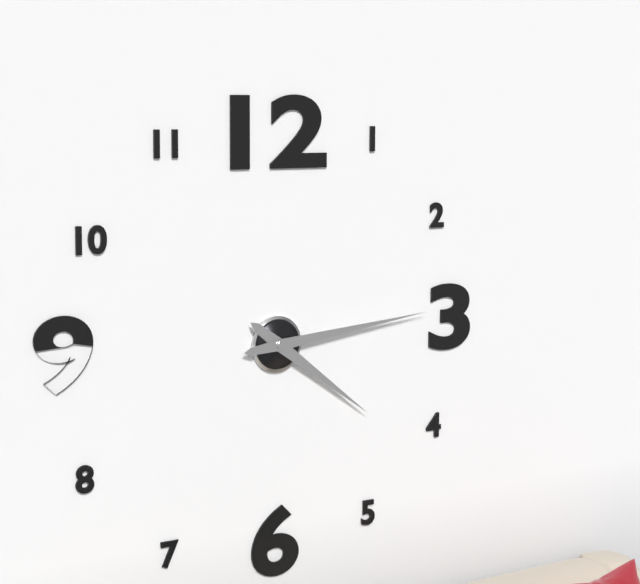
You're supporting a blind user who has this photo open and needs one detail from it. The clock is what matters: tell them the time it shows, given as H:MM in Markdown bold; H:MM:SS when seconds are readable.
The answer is **4:14**
